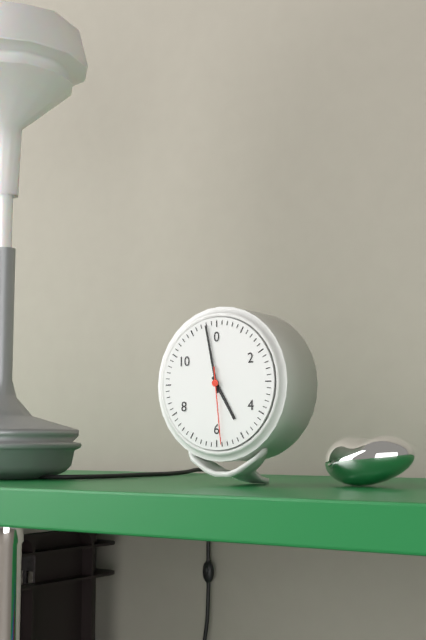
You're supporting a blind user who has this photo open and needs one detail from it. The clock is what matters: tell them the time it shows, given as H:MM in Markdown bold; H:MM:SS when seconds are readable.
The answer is **4:58:29**
